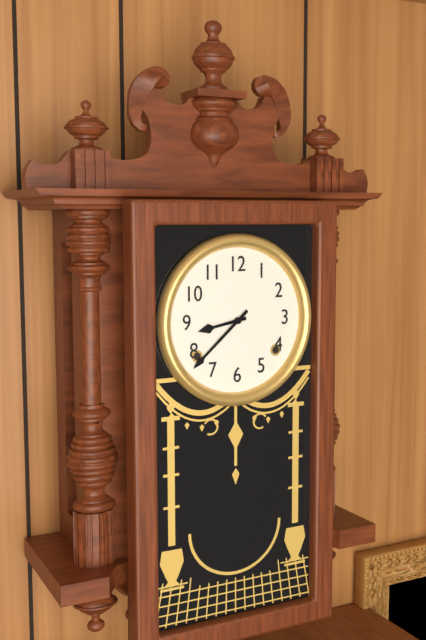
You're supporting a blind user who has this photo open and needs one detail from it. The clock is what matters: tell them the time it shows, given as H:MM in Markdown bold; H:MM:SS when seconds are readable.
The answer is **8:38**
